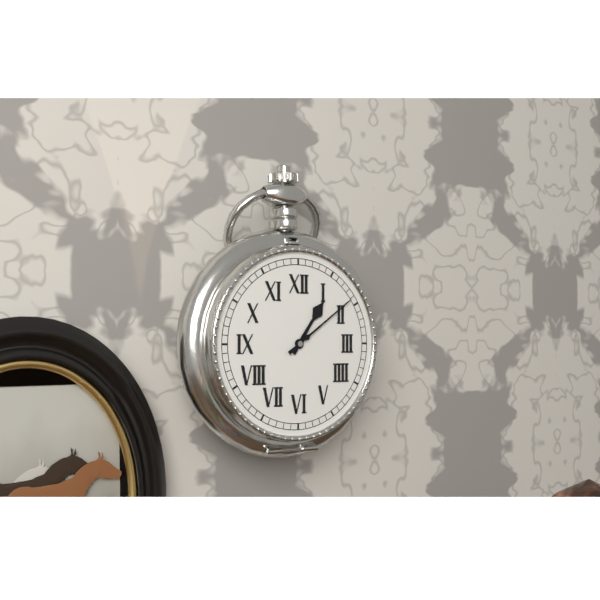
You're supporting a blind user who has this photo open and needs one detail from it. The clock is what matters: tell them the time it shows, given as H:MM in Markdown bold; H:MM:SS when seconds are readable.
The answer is **1:09**
